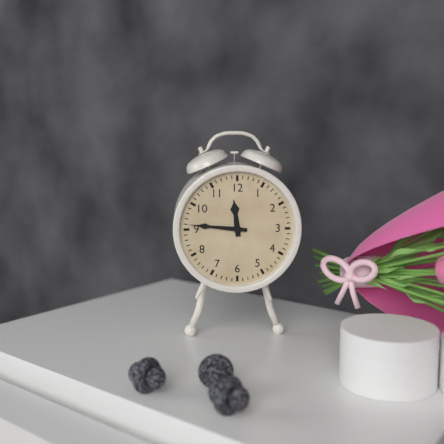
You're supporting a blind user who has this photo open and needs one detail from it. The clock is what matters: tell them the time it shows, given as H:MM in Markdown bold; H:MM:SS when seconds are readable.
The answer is **11:46**
